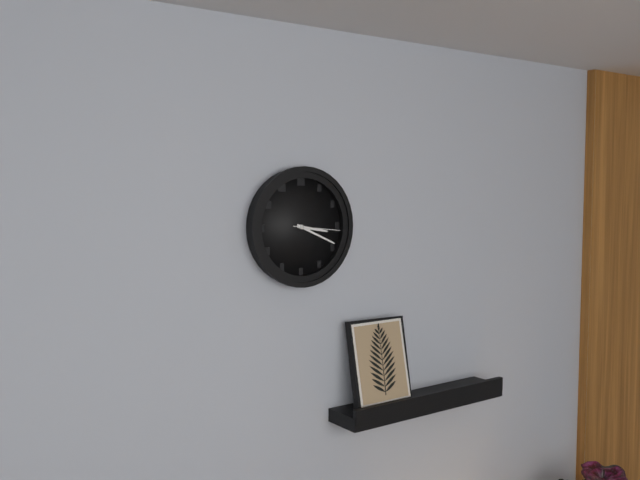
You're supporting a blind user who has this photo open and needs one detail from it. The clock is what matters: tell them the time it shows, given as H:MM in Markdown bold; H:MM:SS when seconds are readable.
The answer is **3:19:16**
